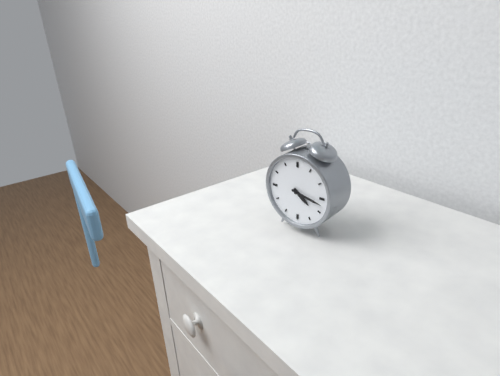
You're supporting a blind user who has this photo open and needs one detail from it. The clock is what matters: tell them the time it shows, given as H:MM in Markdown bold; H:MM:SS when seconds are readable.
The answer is **4:17**
